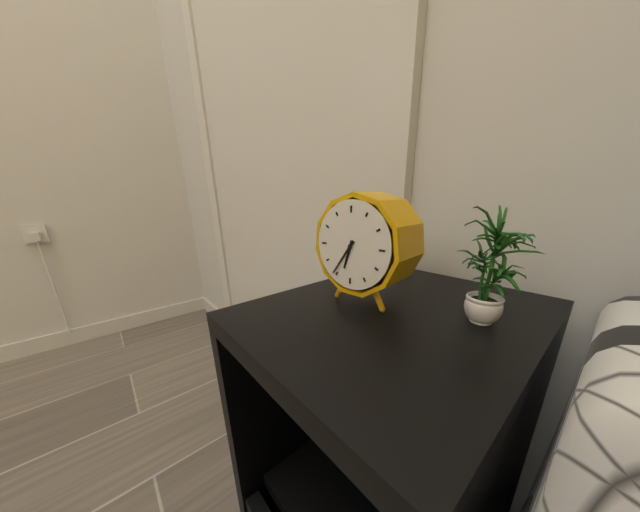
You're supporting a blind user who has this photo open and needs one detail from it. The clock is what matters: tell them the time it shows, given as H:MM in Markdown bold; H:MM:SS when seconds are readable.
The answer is **6:36**
